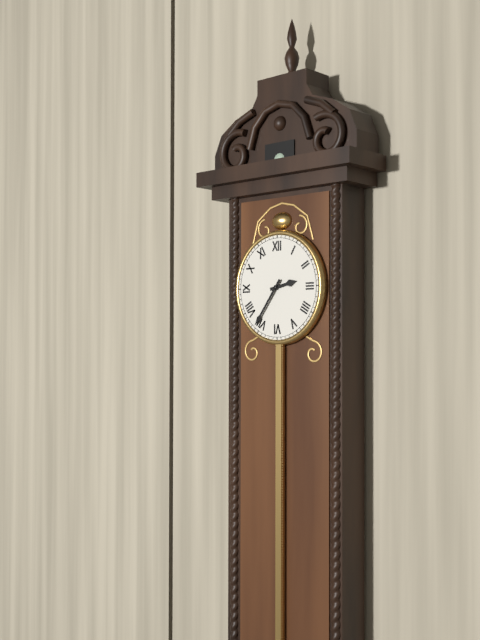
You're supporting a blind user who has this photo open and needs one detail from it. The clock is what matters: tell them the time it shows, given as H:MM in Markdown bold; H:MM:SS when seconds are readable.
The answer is **2:36**
